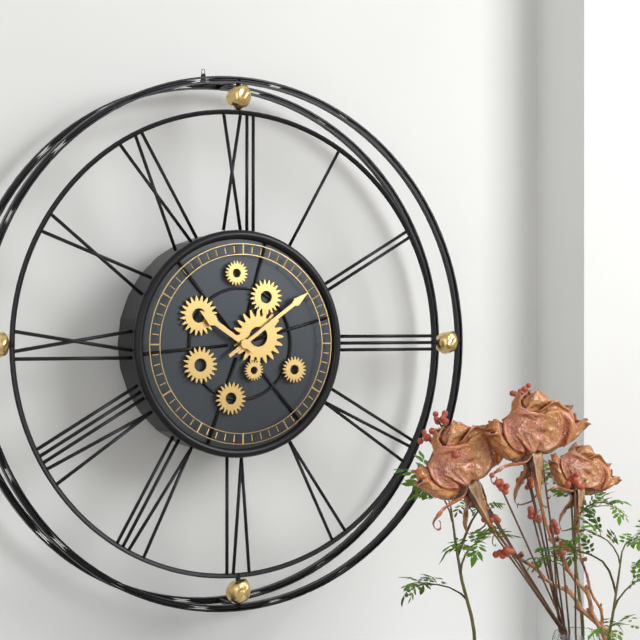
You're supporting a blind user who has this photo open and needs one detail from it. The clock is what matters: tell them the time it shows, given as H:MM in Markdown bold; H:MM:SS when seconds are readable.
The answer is **10:09**
